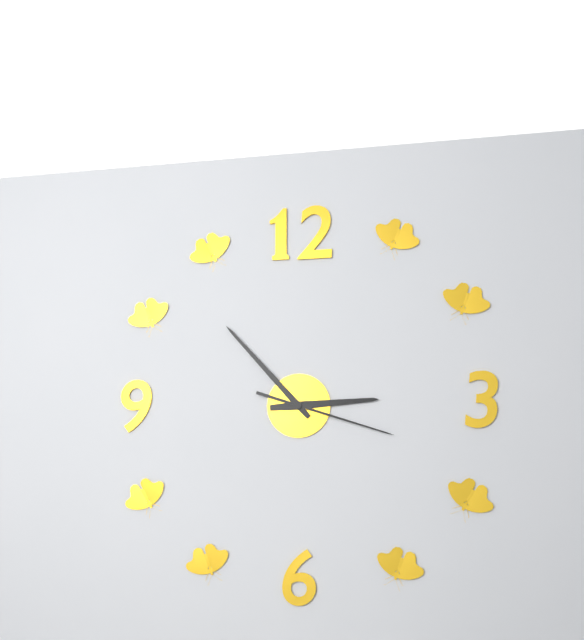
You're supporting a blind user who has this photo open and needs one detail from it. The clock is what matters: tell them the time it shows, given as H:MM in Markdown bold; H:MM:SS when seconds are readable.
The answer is **2:53:18**
